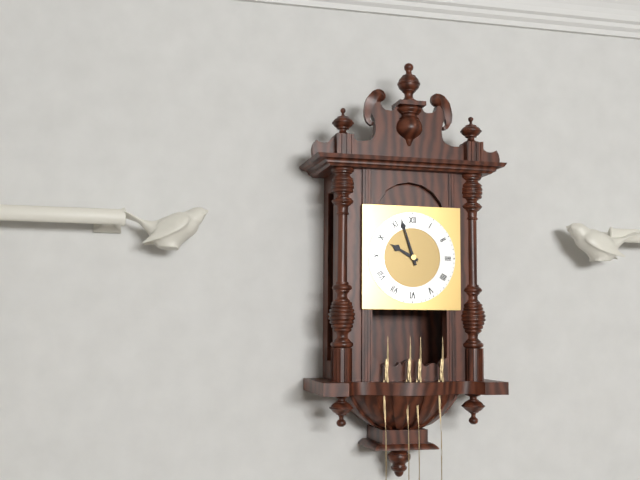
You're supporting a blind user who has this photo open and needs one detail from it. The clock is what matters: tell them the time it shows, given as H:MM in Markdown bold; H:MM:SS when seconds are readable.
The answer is **9:57**
